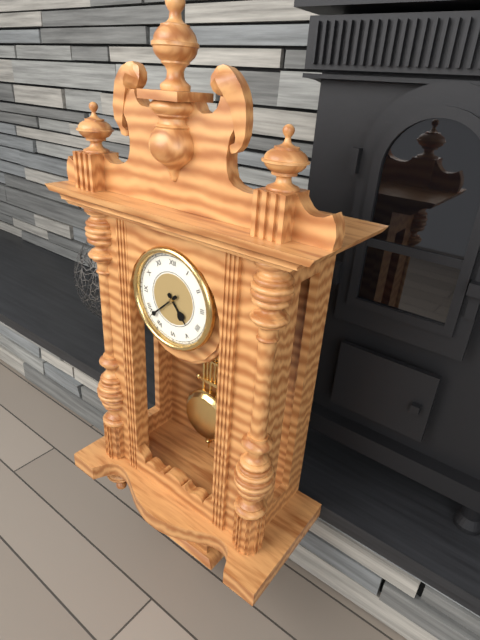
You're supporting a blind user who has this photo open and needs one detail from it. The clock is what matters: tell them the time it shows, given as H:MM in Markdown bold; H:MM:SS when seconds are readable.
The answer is **4:38**
